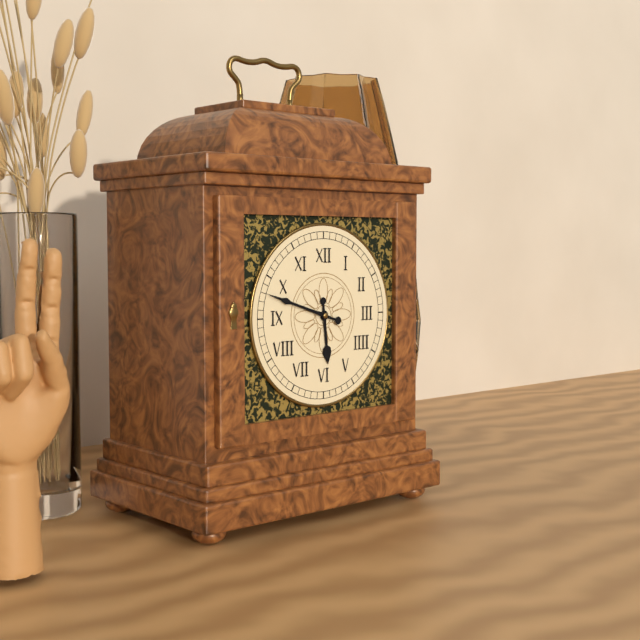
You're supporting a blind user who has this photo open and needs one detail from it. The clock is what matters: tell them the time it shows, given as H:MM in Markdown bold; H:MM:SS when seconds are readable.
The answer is **5:48**
